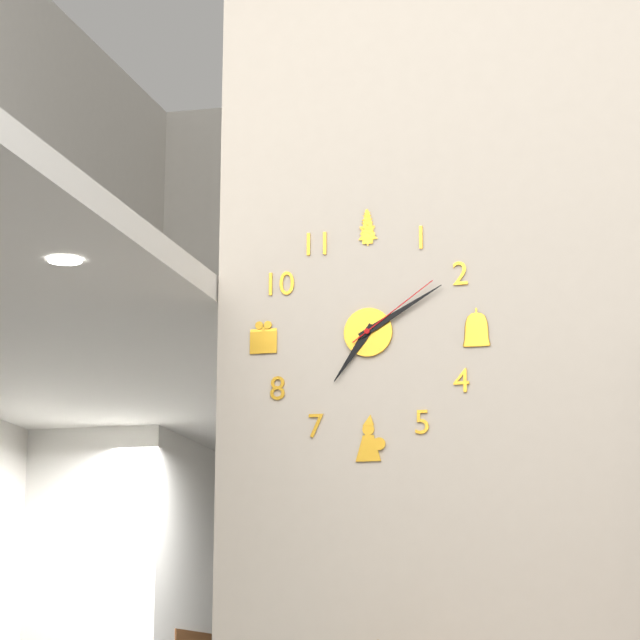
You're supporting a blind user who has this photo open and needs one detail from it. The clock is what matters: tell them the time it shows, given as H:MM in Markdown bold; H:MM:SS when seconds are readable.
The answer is **7:10:09**
